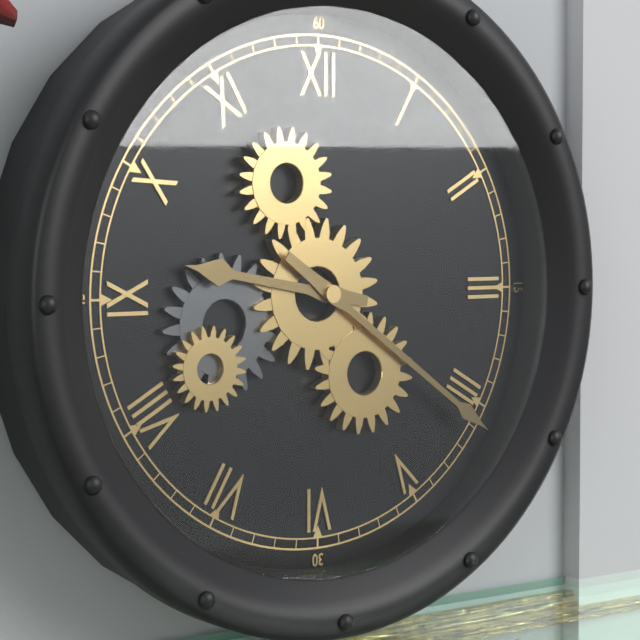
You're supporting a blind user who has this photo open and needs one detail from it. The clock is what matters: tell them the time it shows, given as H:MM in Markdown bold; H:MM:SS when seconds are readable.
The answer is **9:21**
